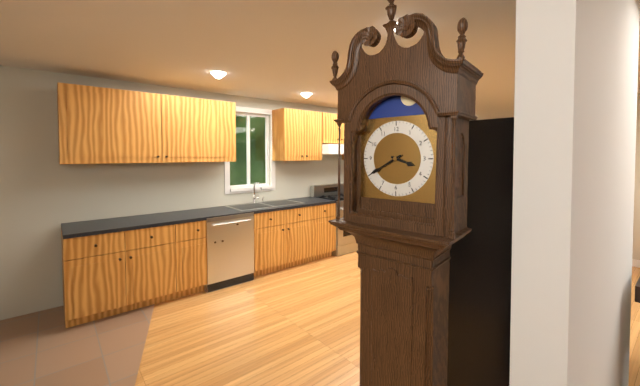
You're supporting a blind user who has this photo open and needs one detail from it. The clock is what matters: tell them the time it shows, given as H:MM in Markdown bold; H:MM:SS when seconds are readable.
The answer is **3:40**
